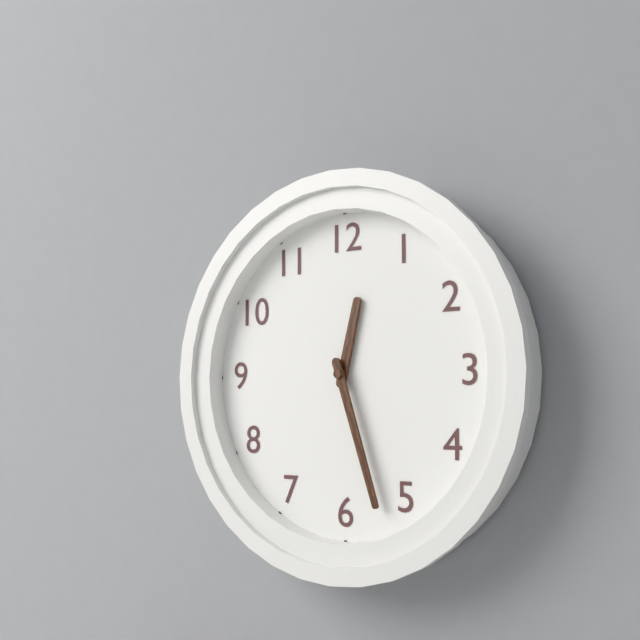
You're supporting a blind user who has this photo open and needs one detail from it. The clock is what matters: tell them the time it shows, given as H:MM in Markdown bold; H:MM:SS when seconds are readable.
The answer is **12:27**
